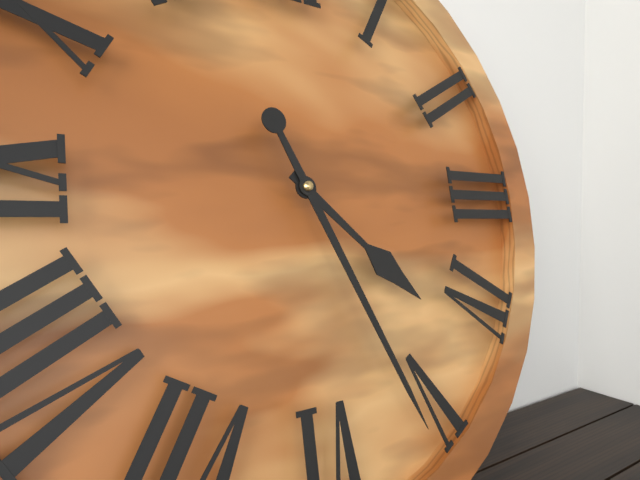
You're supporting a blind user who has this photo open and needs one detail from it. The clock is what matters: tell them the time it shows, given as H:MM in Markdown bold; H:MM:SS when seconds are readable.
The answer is **4:26**
